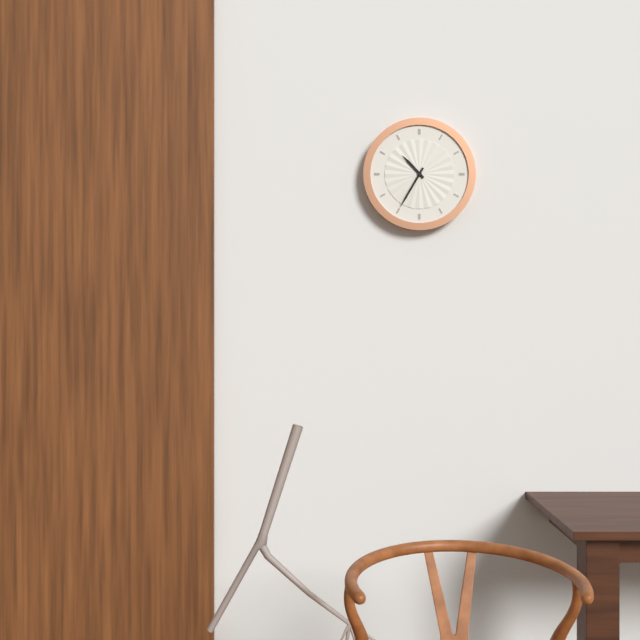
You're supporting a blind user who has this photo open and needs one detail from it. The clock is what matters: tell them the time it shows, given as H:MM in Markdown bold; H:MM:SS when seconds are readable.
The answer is **10:35**
